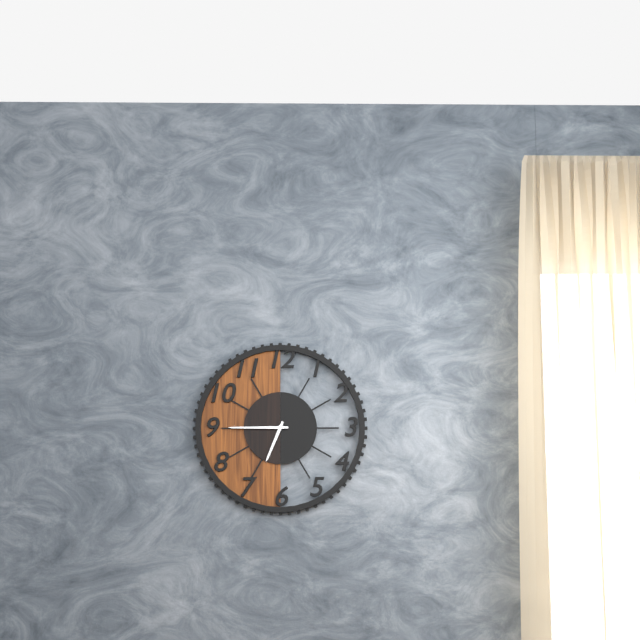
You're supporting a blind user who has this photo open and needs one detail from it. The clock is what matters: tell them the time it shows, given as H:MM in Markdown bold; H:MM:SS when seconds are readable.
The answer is **6:45**
